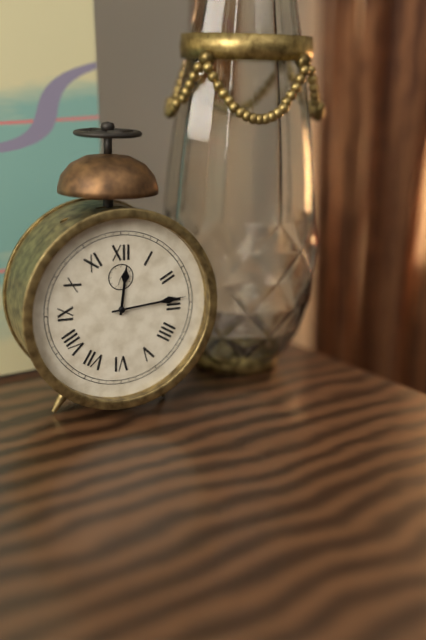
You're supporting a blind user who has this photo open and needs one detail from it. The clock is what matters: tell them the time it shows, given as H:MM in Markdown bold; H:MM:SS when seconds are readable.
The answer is **12:14**
